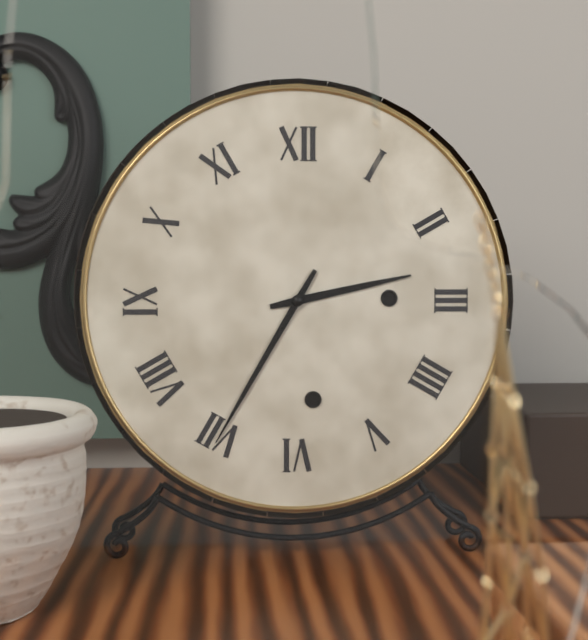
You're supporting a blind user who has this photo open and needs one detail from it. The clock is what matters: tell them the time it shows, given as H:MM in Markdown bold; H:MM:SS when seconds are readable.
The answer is **2:35**
